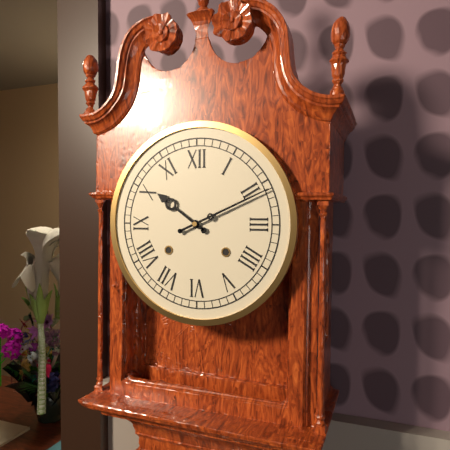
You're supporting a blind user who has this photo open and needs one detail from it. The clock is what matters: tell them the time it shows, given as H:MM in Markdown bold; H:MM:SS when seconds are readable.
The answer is **10:11**
